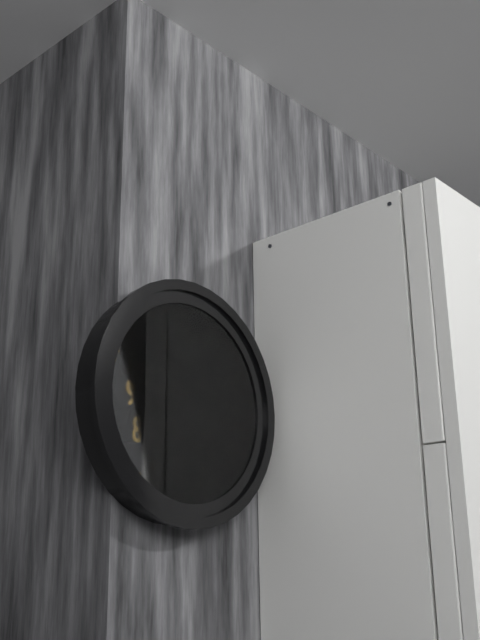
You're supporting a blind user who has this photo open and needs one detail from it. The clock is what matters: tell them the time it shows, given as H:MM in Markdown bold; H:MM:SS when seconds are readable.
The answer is **9:11**
